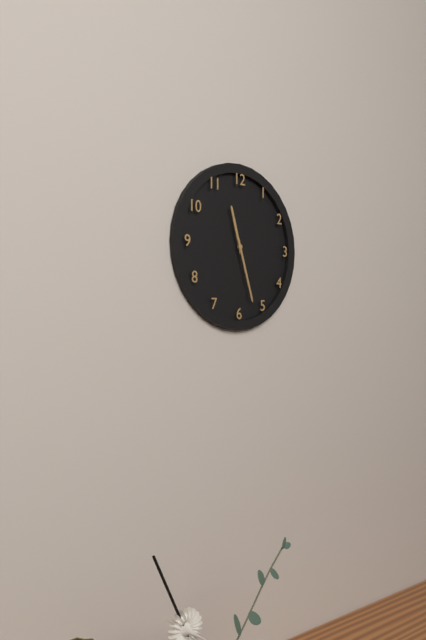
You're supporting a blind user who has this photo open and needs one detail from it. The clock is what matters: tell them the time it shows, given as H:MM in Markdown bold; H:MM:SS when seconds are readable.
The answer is **11:27**
